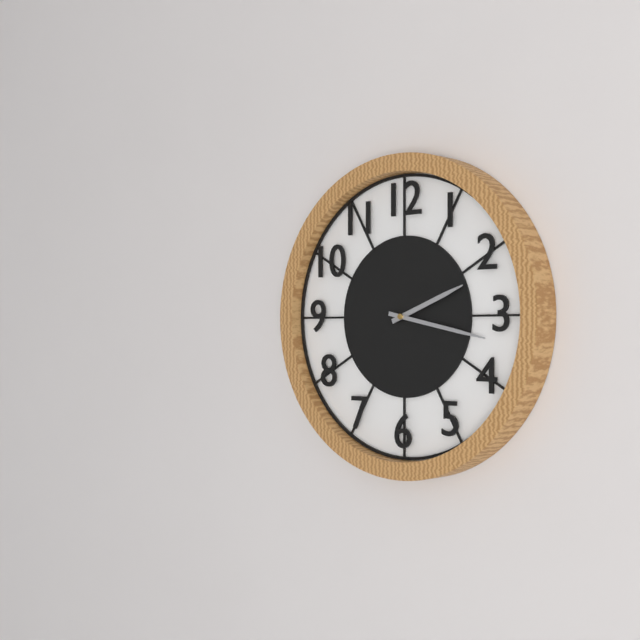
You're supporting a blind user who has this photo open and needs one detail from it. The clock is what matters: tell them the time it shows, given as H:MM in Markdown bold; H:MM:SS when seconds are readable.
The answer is **2:17**
